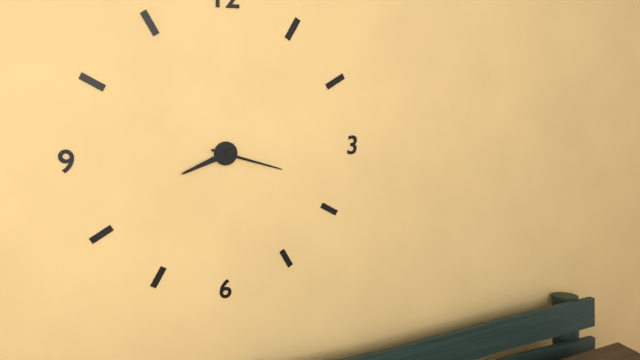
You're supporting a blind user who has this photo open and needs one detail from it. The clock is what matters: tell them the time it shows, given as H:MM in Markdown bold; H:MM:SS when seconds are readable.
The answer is **8:18**
